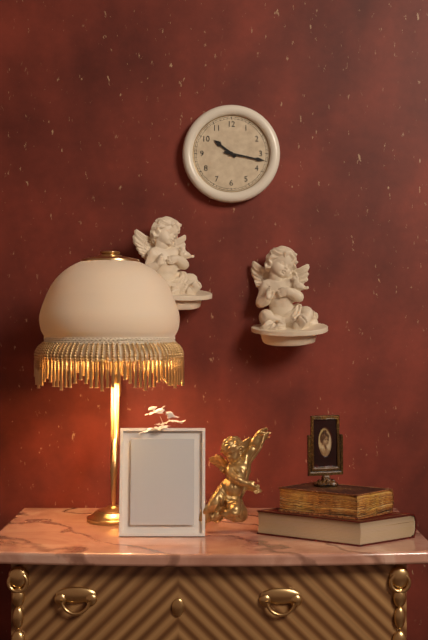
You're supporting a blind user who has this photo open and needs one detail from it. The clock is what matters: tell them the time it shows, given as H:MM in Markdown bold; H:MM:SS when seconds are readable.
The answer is **10:17**
